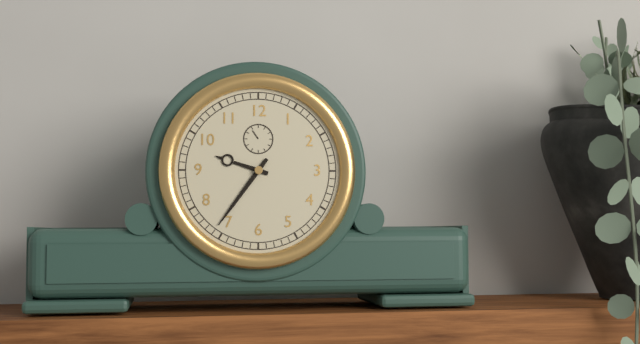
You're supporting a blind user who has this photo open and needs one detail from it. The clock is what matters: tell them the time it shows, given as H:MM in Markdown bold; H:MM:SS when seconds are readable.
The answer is **9:36**
